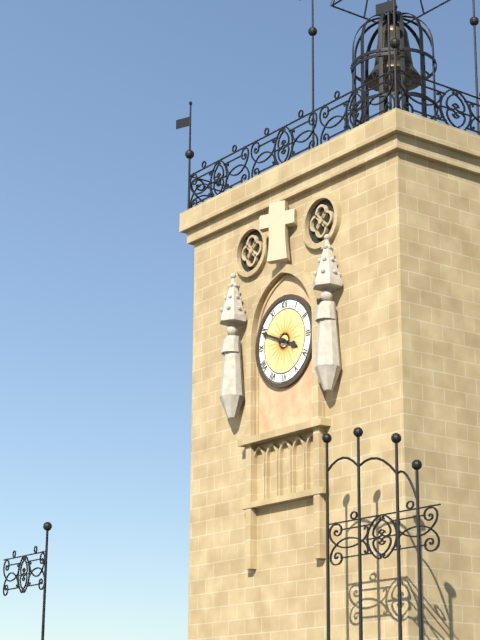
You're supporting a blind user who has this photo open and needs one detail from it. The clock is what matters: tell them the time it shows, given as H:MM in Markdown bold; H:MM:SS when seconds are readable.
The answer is **3:49**
